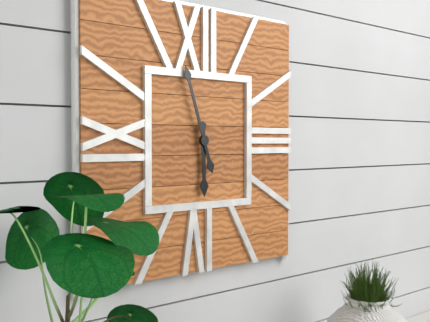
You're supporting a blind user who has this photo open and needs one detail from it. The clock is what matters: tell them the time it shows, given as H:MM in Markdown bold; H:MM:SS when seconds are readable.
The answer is **5:57**
